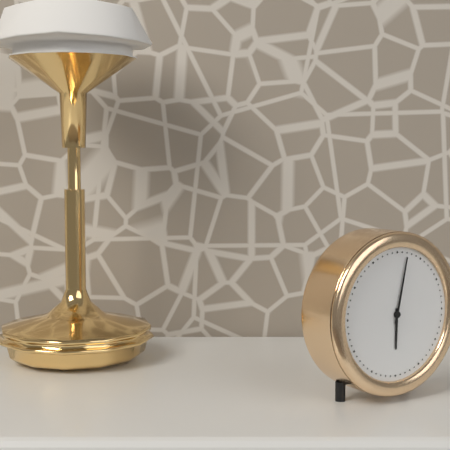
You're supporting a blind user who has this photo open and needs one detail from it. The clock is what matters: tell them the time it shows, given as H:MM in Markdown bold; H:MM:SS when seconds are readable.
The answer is **6:02**
